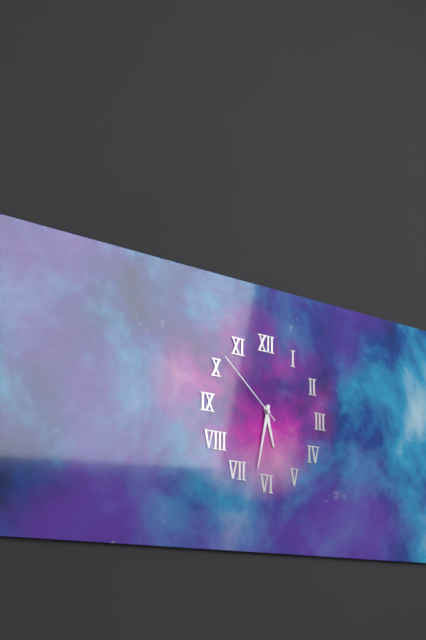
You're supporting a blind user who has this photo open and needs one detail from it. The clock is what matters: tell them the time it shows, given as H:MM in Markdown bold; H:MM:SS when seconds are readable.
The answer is **5:32:52**
